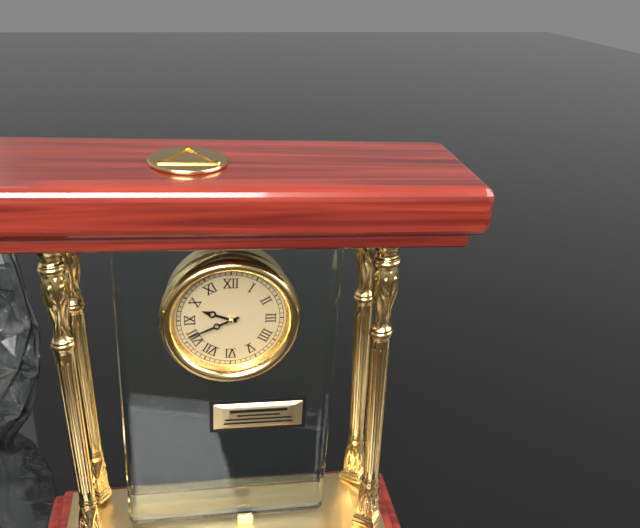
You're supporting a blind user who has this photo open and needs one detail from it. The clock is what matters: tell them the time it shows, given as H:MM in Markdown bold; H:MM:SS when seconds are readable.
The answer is **9:41**
